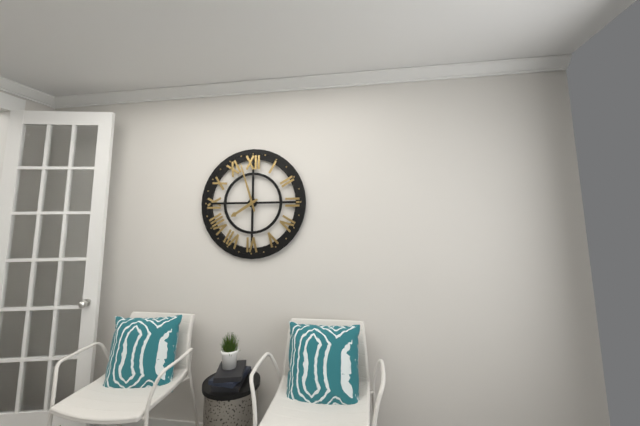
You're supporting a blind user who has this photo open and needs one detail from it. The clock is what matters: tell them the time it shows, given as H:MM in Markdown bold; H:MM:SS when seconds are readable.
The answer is **7:57**
